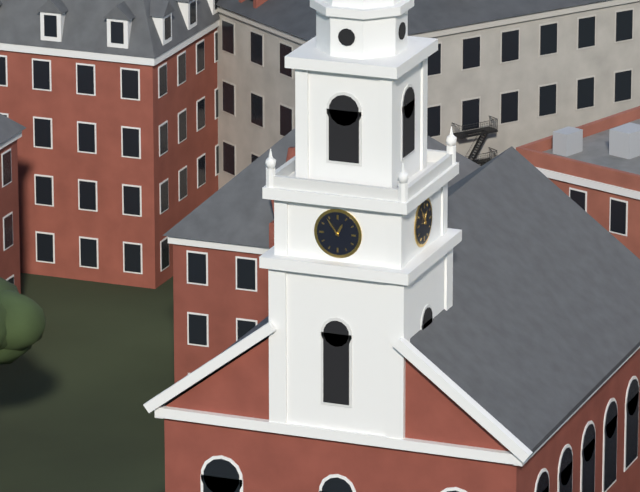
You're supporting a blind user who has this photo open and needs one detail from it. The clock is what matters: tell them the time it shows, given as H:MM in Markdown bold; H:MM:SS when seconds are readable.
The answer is **12:54**
